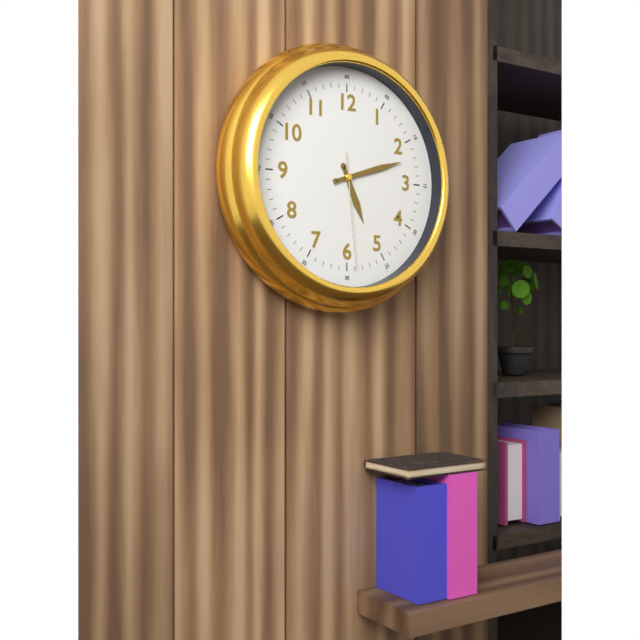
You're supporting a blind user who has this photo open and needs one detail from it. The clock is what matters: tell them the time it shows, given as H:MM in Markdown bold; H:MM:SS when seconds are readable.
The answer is **5:12:29**
